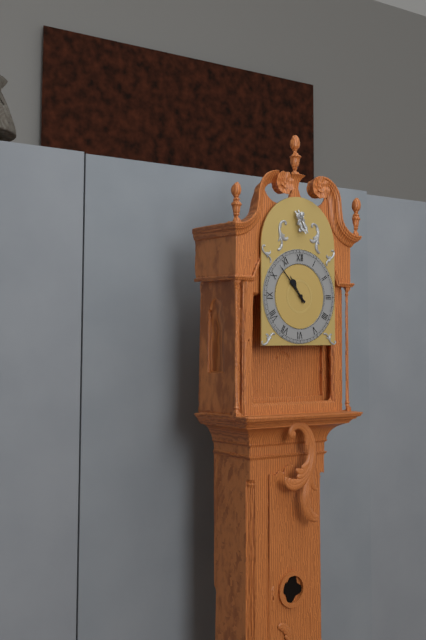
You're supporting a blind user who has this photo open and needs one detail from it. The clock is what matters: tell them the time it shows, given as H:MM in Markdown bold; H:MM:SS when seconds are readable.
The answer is **10:53**
